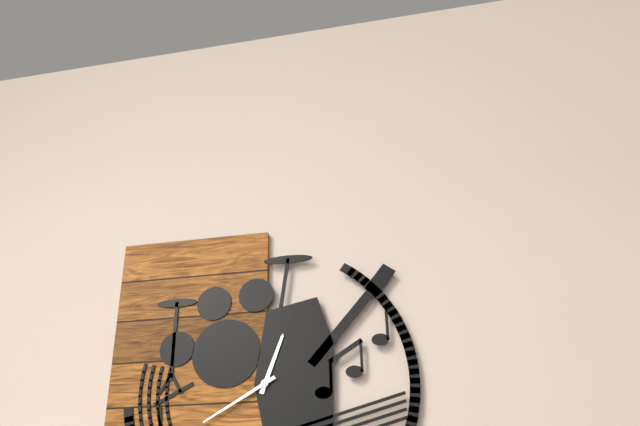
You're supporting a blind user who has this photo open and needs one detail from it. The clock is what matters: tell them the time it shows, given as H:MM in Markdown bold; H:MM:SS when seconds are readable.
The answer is **12:40**
